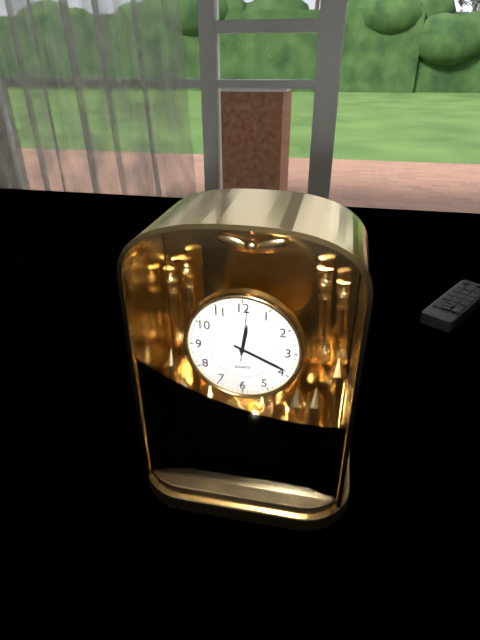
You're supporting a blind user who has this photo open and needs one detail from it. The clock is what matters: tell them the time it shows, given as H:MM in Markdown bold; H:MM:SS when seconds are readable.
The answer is **12:19:01**
